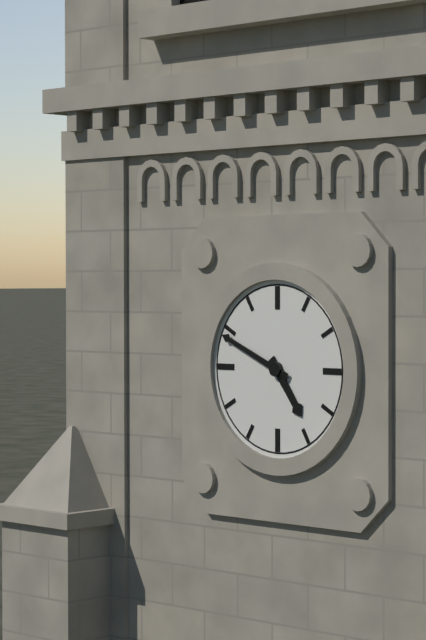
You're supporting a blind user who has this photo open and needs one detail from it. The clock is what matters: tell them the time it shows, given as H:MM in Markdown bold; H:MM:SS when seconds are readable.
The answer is **4:49**
